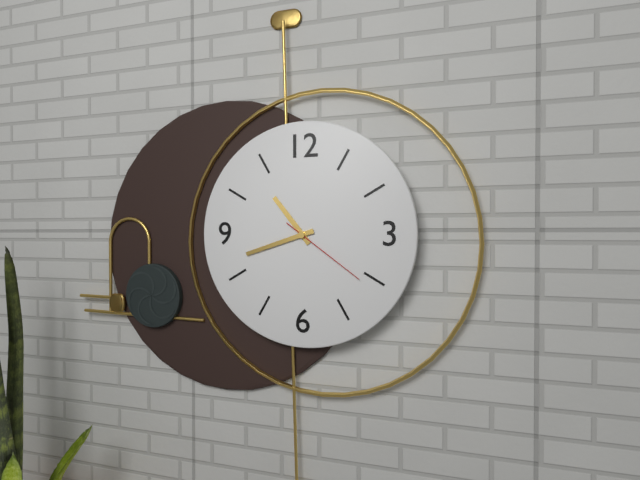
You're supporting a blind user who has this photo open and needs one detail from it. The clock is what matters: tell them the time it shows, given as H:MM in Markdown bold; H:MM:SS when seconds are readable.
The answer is **10:42:21**
